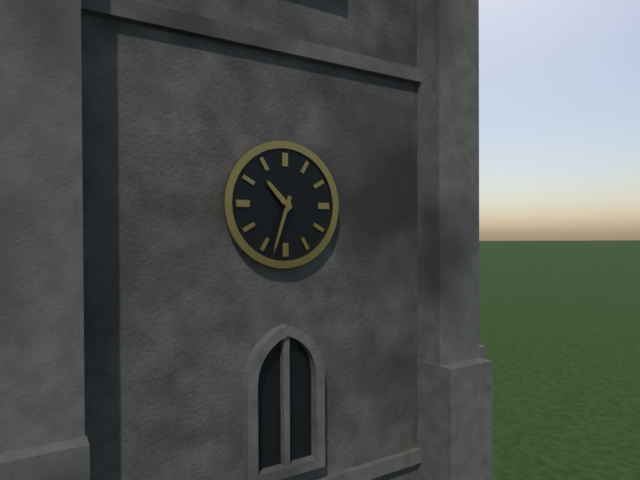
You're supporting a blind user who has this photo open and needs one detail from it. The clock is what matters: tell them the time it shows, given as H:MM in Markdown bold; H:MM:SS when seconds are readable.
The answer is **10:33**
